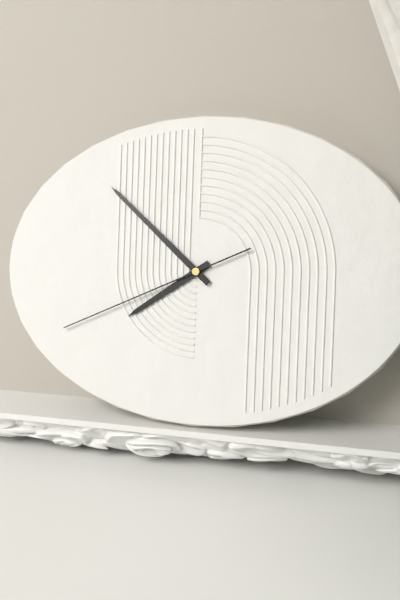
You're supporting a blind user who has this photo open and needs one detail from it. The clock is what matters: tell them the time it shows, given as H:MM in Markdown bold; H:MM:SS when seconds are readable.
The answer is **7:52:41**
